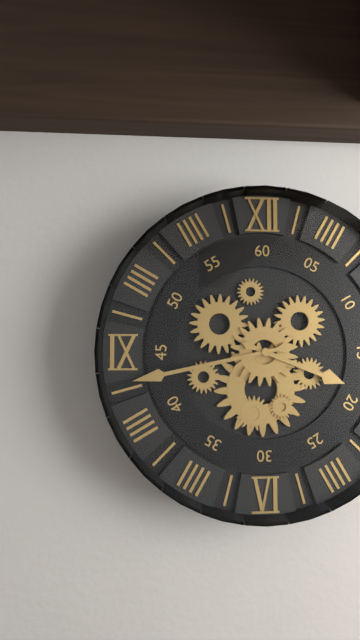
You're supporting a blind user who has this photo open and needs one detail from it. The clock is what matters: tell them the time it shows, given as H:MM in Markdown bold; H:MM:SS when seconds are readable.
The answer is **3:43**
